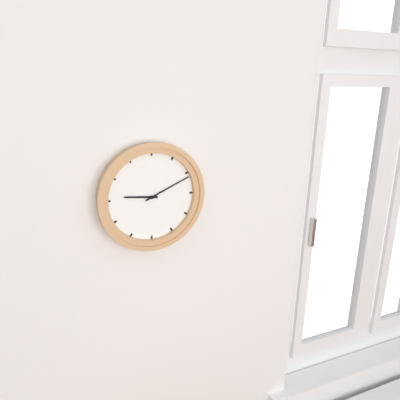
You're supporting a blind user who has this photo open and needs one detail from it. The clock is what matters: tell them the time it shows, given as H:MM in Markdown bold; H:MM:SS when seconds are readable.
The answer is **9:11**
